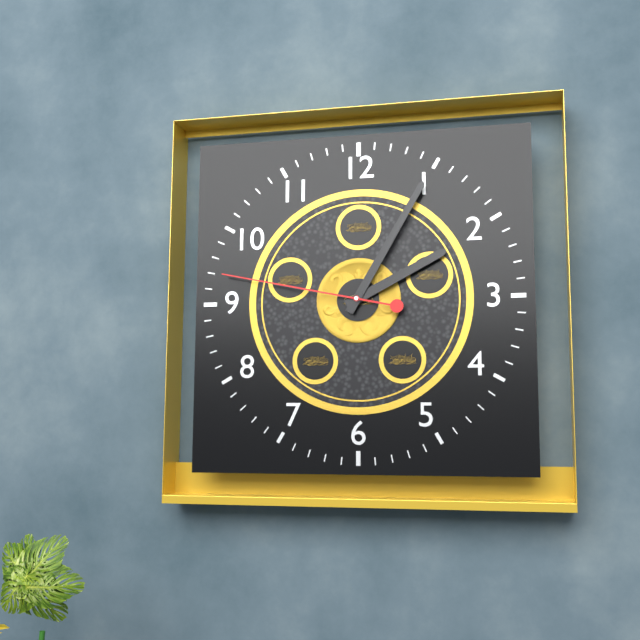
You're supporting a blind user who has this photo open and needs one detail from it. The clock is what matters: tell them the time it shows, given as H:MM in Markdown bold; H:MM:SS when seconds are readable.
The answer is **2:05:47**
